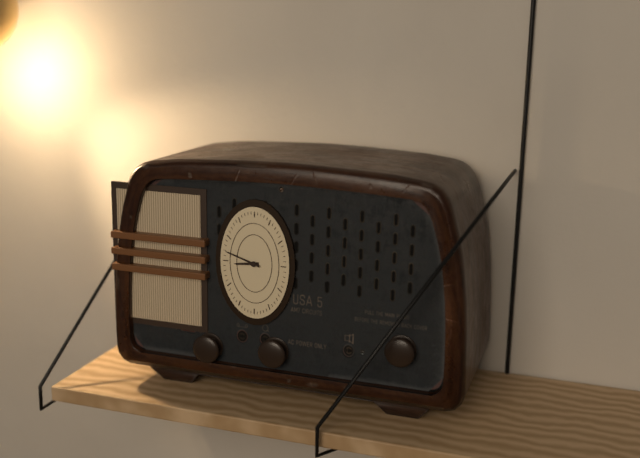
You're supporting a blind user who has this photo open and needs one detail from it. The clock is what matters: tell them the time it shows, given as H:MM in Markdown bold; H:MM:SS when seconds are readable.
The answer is **8:48**
